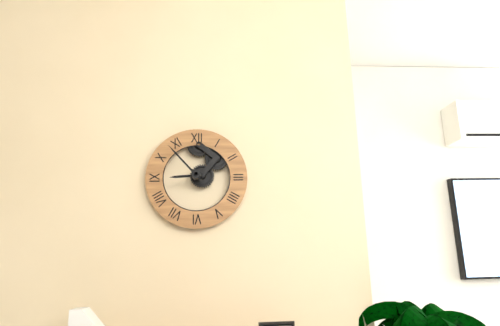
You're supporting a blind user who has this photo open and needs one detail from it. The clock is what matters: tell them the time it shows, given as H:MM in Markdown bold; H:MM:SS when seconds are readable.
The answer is **8:53**
